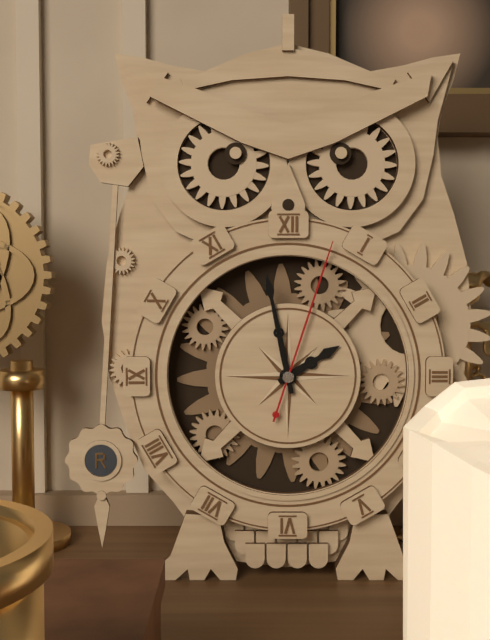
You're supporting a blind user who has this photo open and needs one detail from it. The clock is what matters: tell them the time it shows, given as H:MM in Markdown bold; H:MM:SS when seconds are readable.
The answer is **1:58:03**
